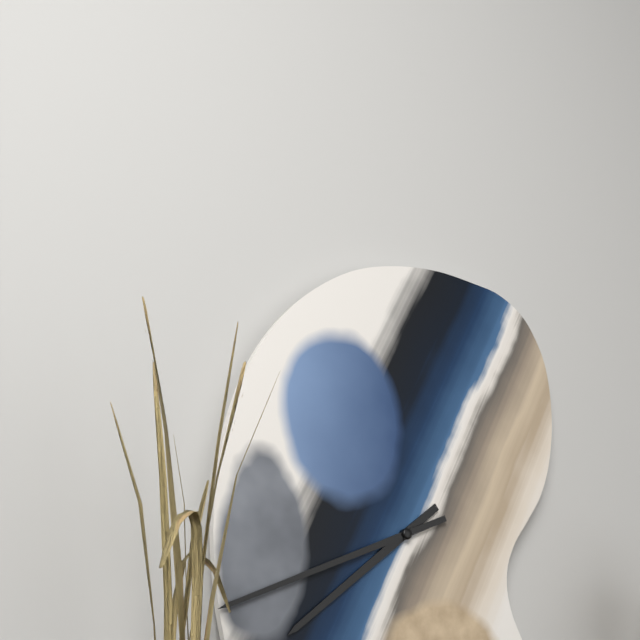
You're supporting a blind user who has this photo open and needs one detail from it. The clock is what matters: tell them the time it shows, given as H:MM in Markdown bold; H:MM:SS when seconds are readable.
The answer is **7:41**
